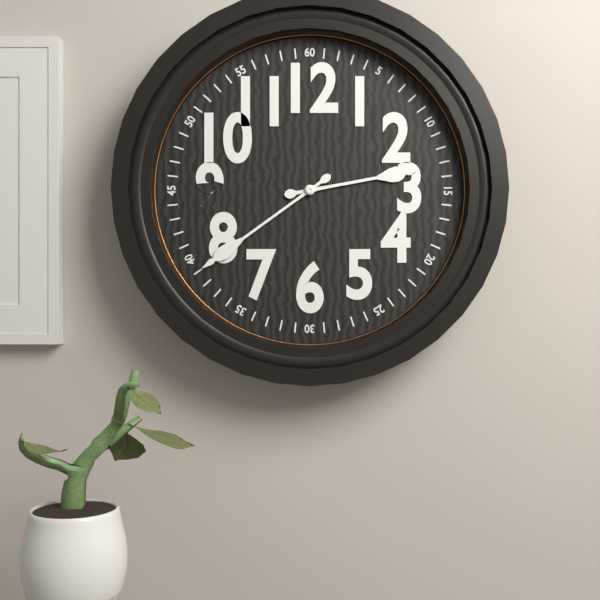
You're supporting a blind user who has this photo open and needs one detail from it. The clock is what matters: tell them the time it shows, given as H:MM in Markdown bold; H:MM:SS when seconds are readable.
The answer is **2:39**
